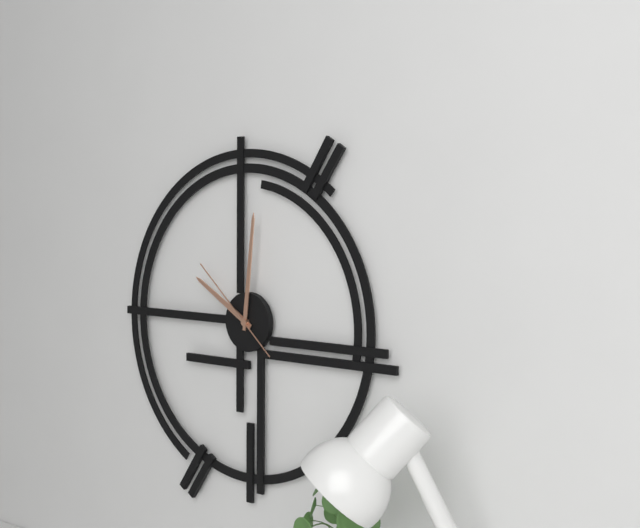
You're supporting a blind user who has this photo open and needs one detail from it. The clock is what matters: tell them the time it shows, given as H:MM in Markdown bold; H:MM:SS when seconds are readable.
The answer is **10:01:52**
